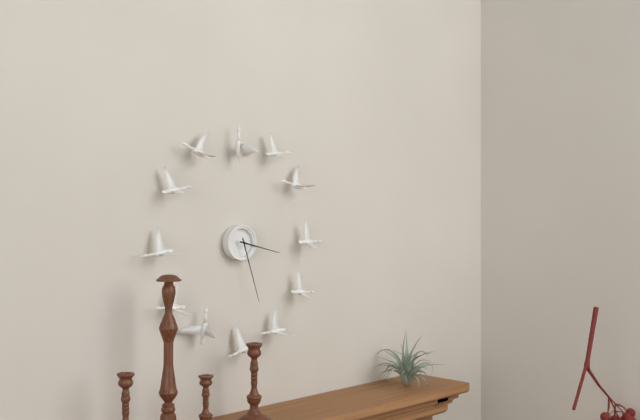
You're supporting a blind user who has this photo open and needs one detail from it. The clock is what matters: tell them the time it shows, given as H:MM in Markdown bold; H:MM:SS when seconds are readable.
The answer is **3:27**
